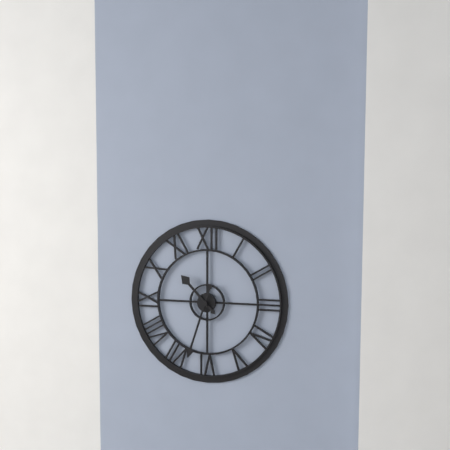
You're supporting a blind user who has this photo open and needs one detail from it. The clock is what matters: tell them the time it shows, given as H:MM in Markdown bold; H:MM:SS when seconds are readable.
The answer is **10:33**
